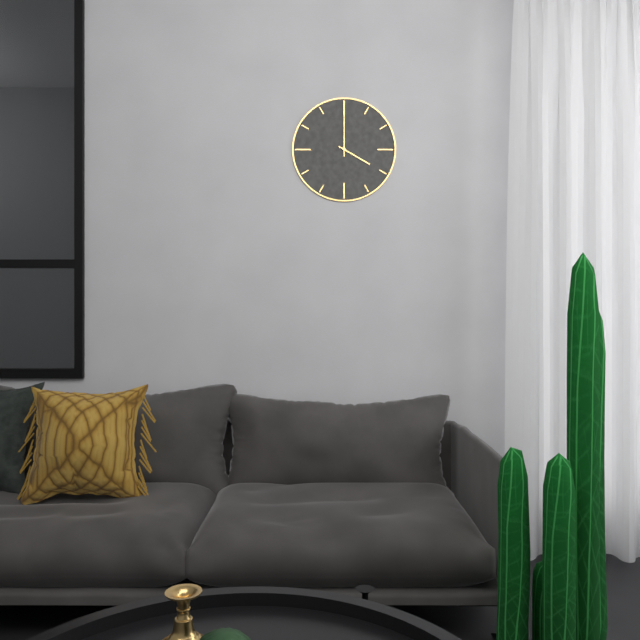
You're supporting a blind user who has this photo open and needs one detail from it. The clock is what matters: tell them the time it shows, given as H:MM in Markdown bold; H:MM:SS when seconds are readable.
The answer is **4:00**
